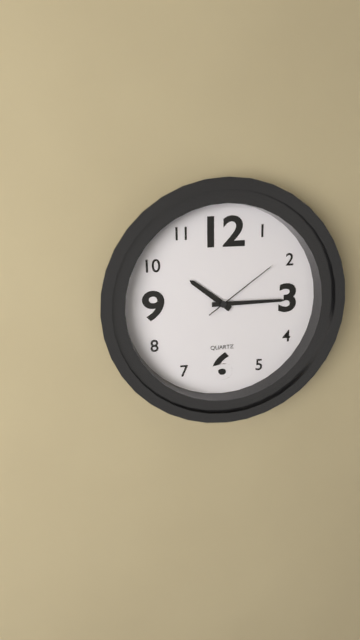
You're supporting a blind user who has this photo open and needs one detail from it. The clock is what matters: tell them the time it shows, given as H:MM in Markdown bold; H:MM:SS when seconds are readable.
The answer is **10:15:09**
